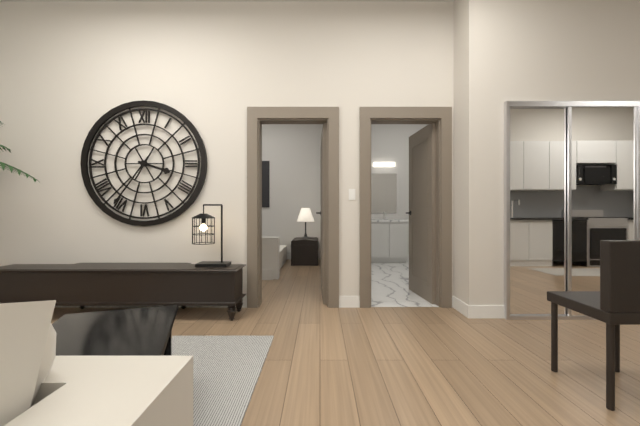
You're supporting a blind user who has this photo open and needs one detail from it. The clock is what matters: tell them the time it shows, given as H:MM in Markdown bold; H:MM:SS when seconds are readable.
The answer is **3:36**
